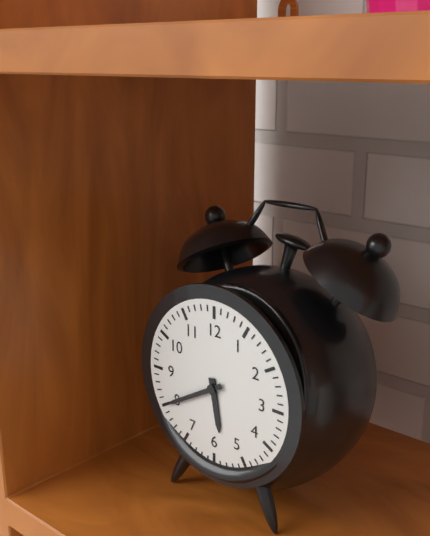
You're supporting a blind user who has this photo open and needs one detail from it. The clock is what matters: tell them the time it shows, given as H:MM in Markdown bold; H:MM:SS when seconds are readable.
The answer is **5:40**
